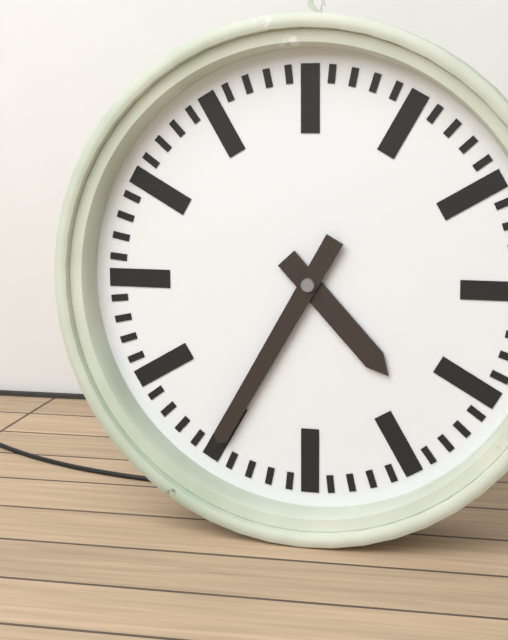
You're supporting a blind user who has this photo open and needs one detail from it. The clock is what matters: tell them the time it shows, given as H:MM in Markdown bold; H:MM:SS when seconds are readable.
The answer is **4:35**
